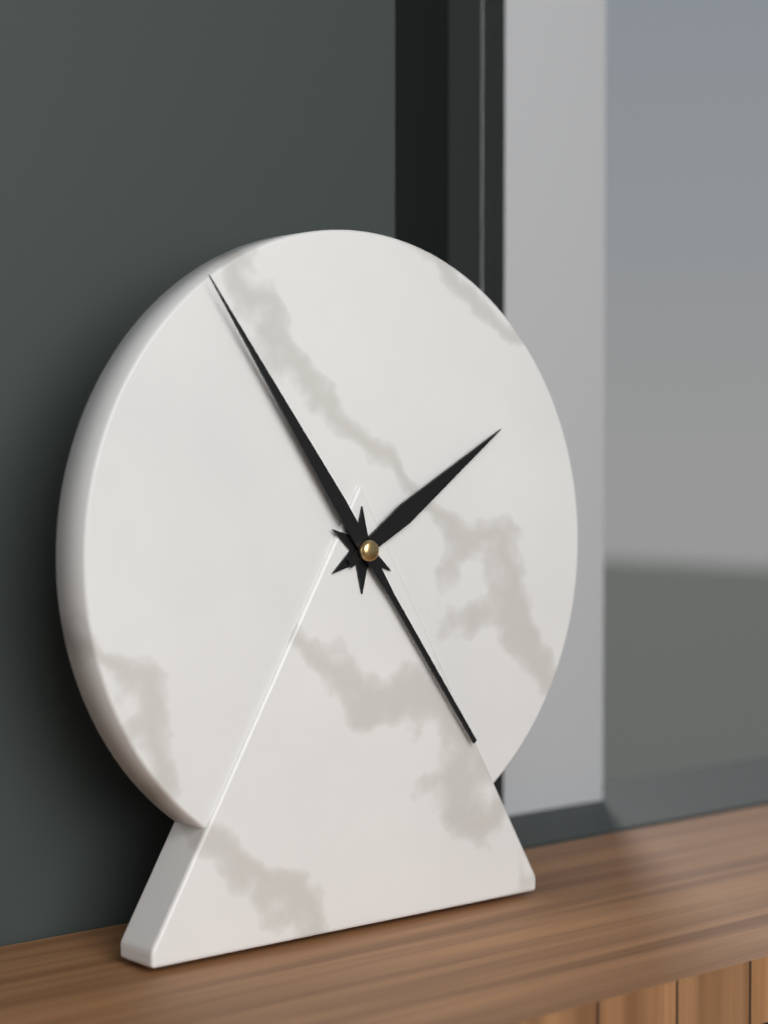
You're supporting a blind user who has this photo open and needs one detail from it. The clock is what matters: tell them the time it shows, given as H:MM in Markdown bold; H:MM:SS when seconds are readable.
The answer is **1:54**
